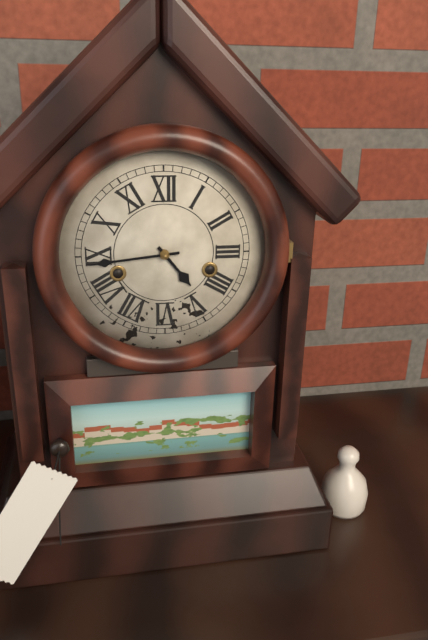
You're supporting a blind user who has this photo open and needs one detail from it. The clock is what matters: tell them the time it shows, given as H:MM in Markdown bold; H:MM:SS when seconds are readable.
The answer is **4:44**
